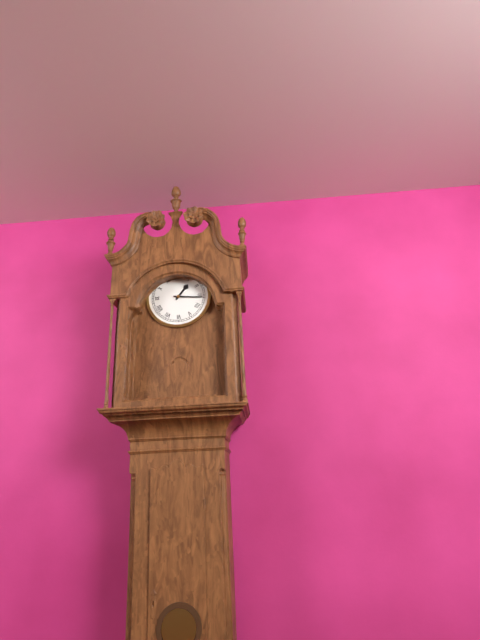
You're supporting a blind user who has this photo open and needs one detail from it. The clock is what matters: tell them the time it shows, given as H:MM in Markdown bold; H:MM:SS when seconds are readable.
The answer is **1:16**
